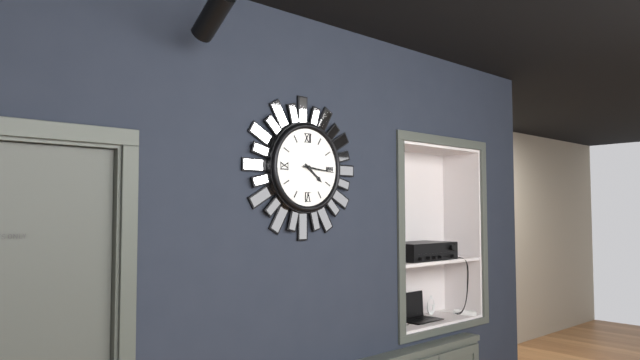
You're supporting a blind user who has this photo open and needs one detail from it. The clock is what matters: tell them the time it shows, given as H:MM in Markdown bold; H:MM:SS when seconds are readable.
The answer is **4:16**
